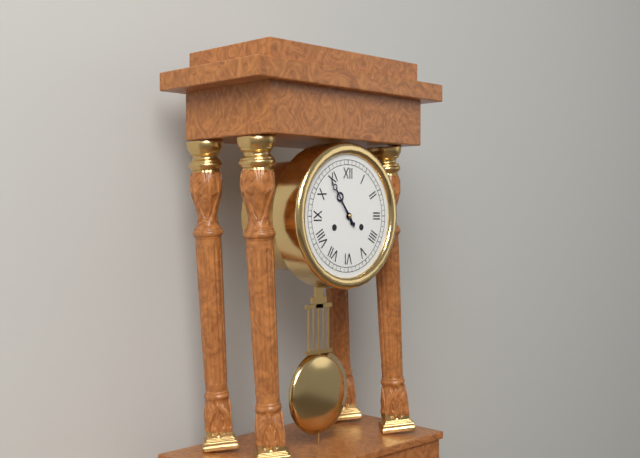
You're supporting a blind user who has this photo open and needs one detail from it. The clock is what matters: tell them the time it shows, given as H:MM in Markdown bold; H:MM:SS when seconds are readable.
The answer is **10:54**
